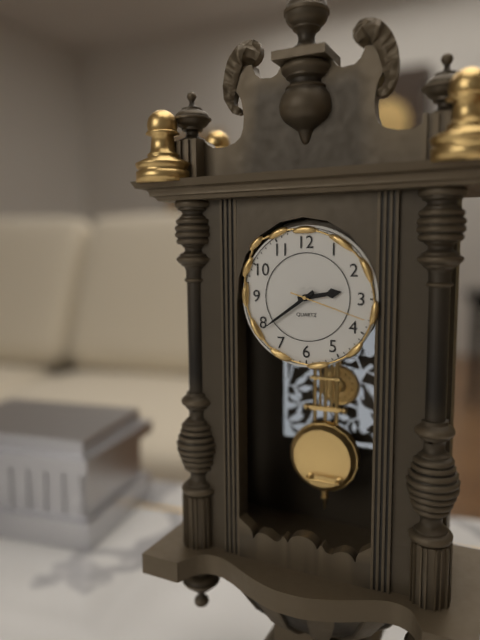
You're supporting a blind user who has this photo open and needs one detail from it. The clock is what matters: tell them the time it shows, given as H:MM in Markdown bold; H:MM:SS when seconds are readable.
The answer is **2:39:18**
